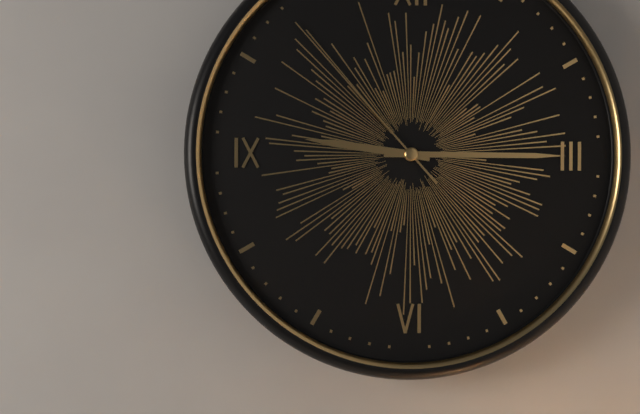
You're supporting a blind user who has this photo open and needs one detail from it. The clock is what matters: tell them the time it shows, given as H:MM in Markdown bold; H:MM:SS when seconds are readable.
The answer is **9:15:53**
